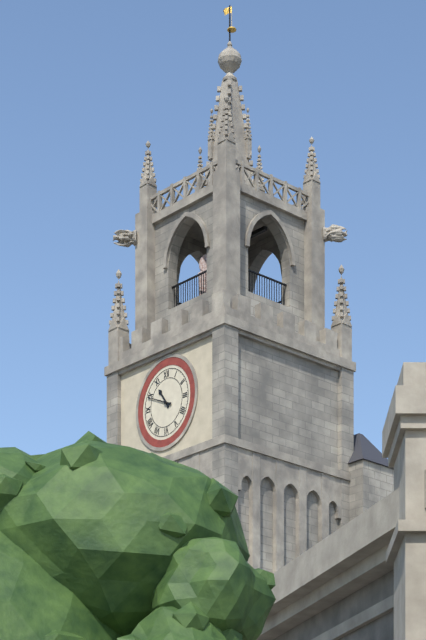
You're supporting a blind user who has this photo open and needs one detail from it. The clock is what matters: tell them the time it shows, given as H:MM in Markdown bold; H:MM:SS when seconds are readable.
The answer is **10:49**
